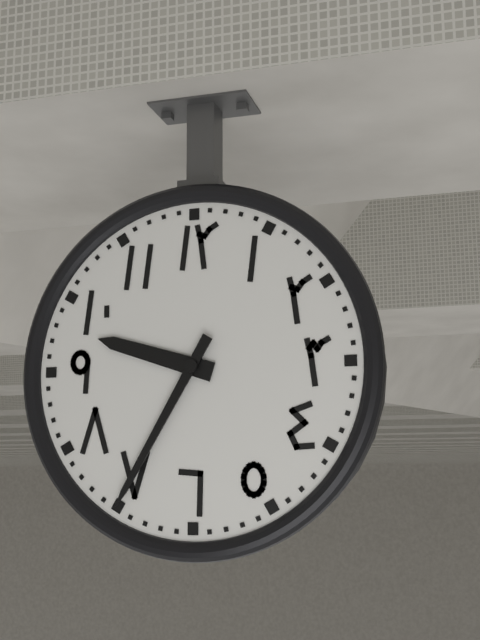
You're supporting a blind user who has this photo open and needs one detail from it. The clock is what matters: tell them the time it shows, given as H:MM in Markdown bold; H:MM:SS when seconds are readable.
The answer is **9:35**
